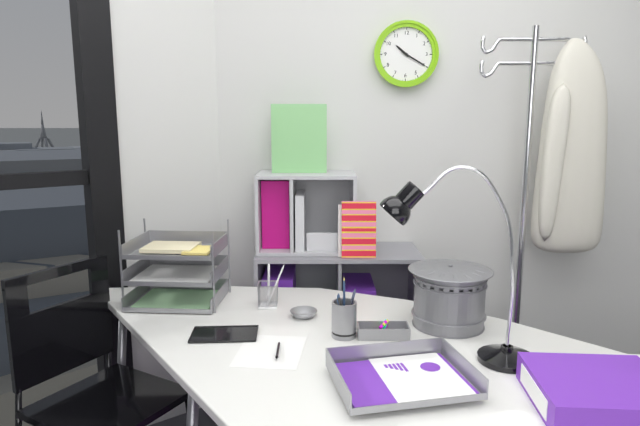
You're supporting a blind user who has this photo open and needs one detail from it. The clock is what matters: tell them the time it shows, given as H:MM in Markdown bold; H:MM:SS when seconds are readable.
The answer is **10:20**
